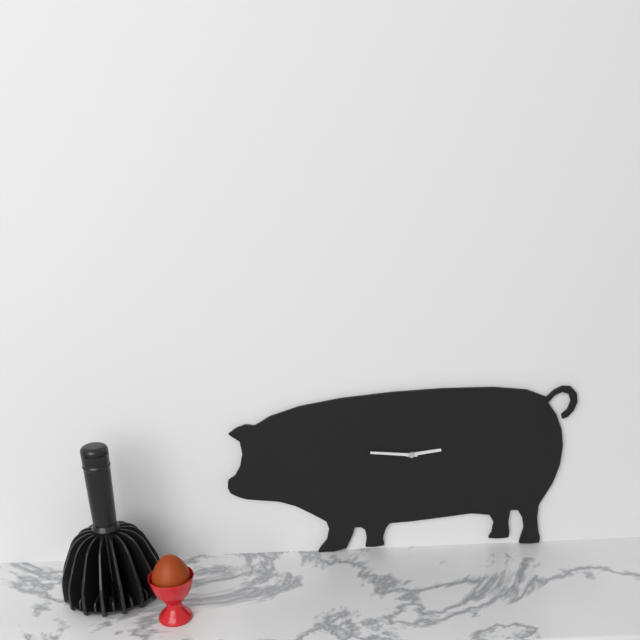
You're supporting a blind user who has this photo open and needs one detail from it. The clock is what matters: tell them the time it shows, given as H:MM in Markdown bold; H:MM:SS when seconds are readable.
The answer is **2:46**
